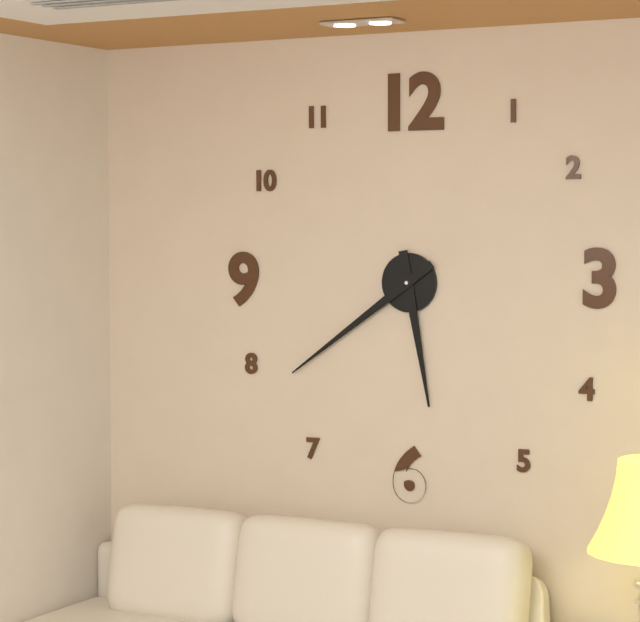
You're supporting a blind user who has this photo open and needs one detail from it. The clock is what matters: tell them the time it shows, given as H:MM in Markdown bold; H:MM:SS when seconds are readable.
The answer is **5:39**
